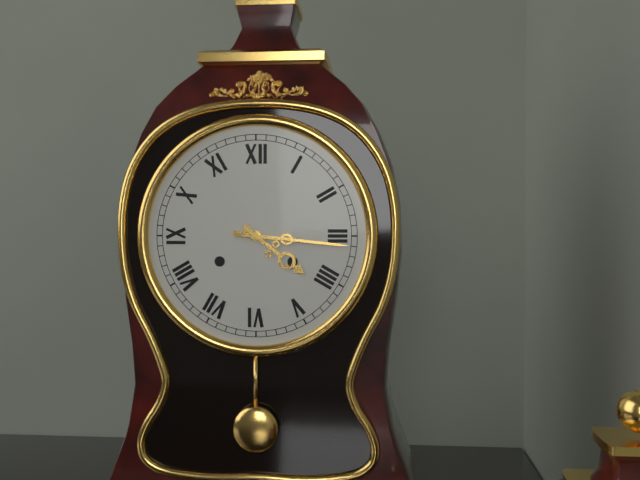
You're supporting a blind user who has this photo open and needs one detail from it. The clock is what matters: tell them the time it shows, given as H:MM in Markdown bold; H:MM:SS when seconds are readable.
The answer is **4:16**
